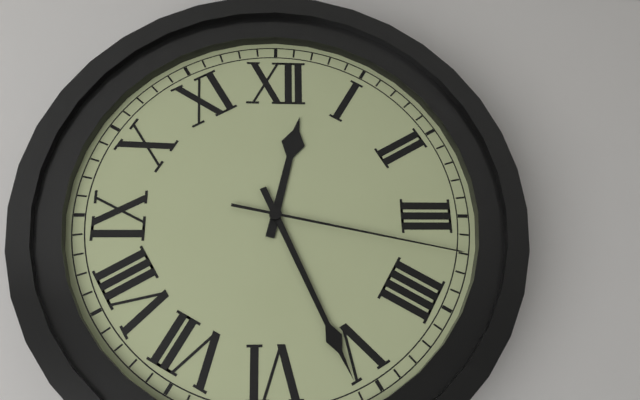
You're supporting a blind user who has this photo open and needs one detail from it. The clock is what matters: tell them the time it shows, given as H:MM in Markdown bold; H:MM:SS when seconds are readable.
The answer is **12:26:17**
